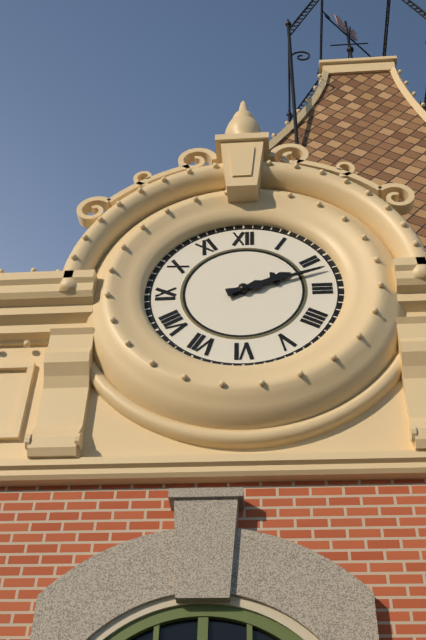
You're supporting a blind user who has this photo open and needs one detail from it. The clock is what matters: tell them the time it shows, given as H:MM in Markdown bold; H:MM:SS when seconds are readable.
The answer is **2:12**
